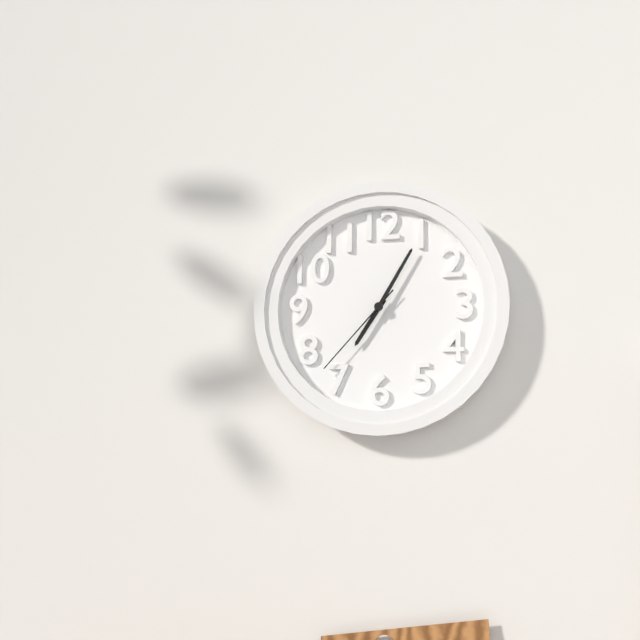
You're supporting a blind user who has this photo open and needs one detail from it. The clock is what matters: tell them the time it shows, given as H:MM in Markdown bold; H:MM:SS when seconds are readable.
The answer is **7:05:37**
